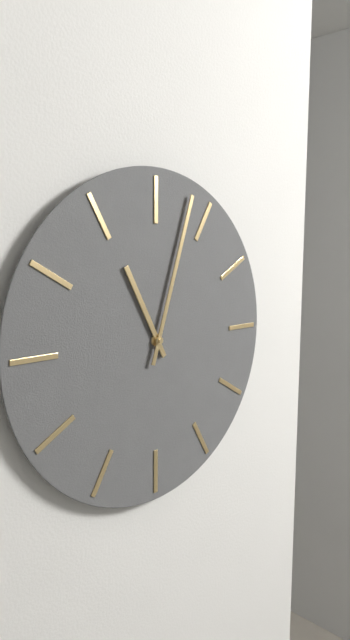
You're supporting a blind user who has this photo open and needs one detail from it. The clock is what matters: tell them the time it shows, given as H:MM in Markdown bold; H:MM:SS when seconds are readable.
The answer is **11:03**
